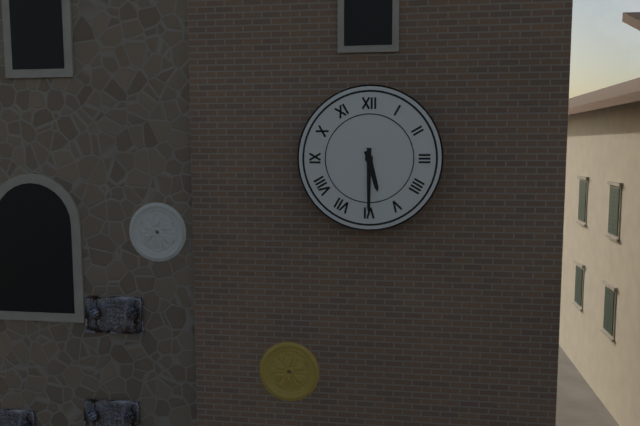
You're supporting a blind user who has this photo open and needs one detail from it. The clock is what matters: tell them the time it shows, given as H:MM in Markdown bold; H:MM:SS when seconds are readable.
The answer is **5:30**
